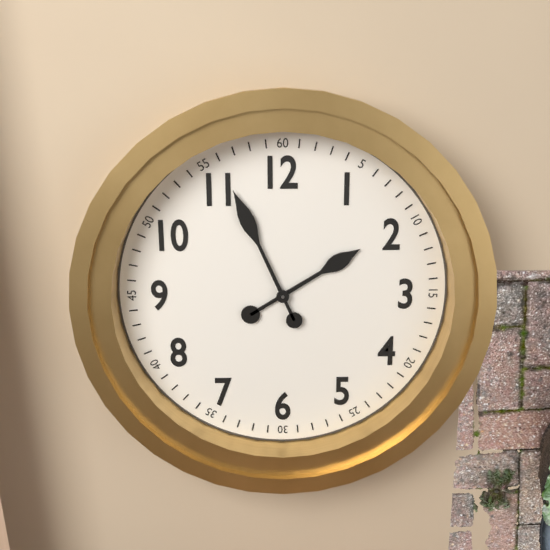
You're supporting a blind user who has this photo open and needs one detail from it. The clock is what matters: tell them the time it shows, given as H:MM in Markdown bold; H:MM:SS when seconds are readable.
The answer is **1:56**
